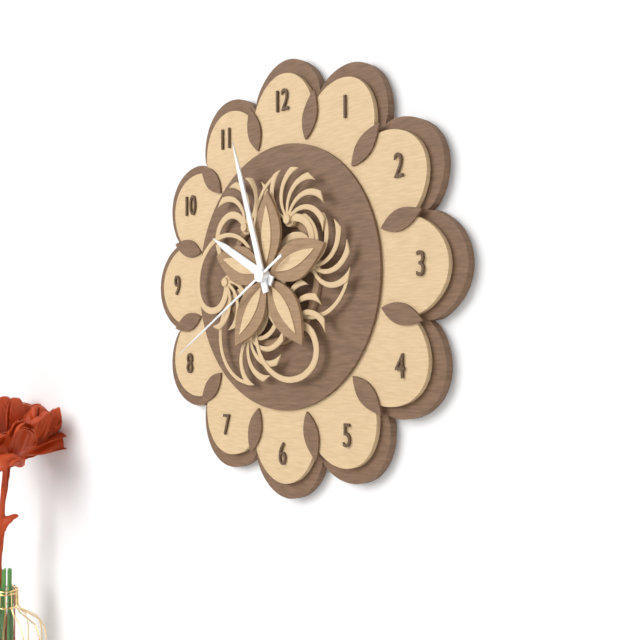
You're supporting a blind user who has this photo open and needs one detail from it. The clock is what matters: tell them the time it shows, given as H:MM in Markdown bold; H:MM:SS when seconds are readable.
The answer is **9:57:40**
